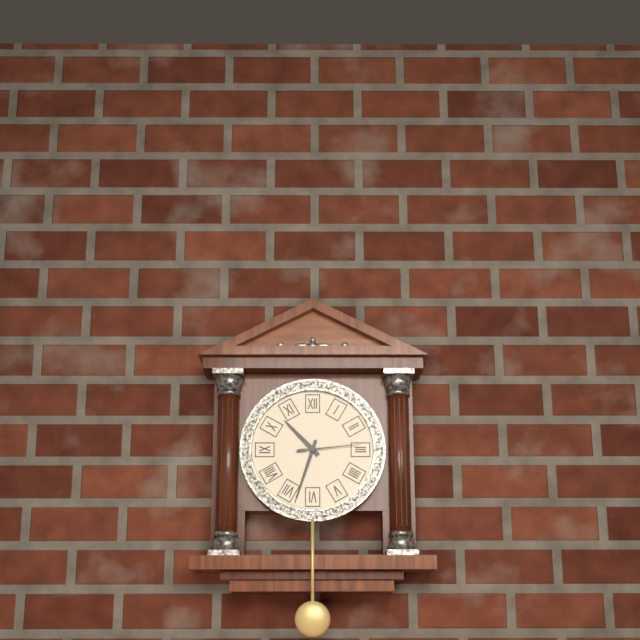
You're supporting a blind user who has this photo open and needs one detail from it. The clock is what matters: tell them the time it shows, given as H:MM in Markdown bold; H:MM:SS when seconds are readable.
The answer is **10:33:14**
